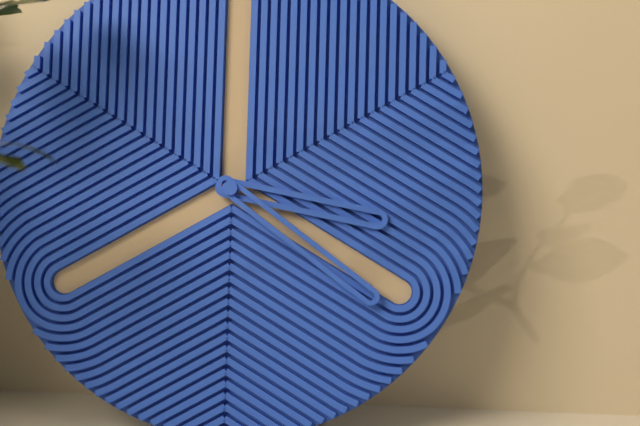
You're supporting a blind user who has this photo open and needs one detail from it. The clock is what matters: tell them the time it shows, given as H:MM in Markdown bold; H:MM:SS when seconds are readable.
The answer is **3:21**
